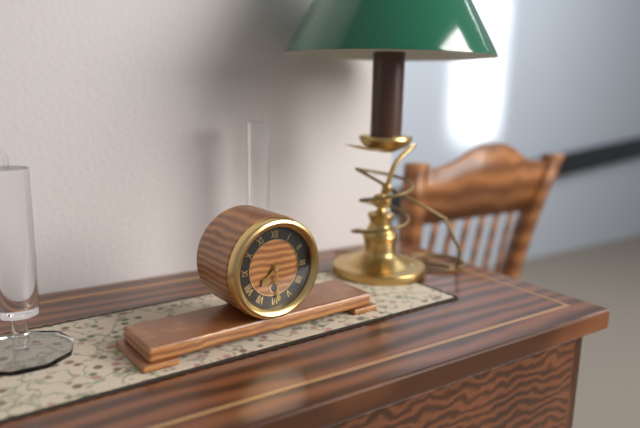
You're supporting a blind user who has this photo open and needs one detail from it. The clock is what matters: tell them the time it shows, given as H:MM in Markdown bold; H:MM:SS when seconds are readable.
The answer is **7:29**
